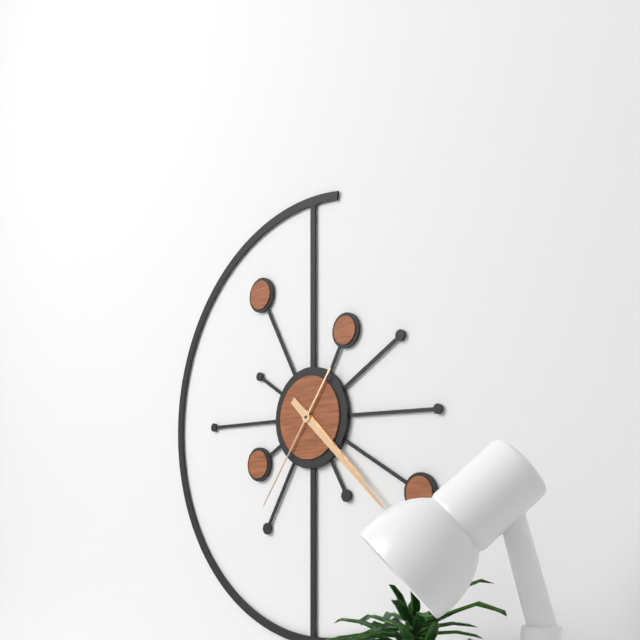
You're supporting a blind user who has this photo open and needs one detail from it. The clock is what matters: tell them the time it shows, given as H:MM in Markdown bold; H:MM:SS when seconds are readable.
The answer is **4:22:36**
